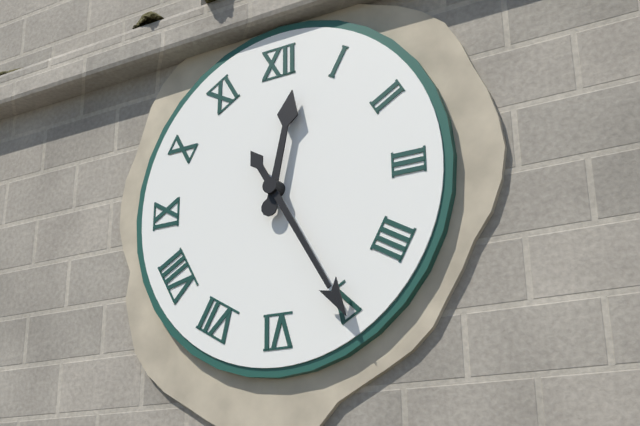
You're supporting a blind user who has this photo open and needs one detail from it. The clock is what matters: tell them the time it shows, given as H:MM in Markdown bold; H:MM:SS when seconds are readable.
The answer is **12:25**
